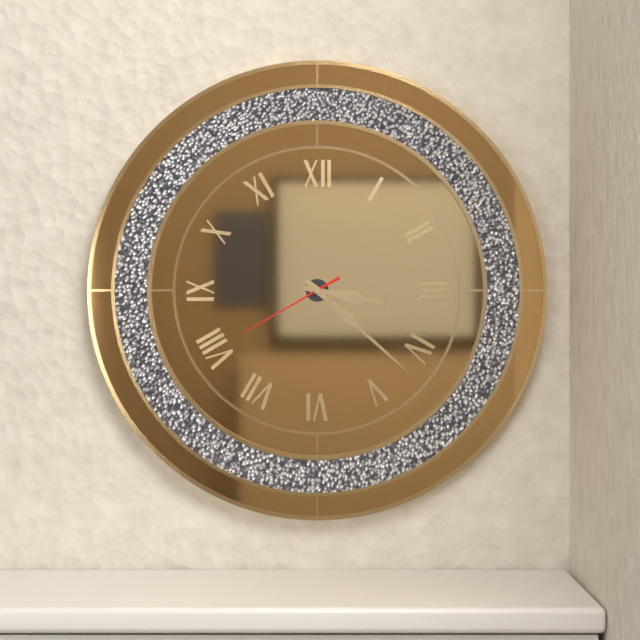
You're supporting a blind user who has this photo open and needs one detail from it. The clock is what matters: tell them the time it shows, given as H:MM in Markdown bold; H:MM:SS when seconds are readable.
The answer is **3:22:40**
